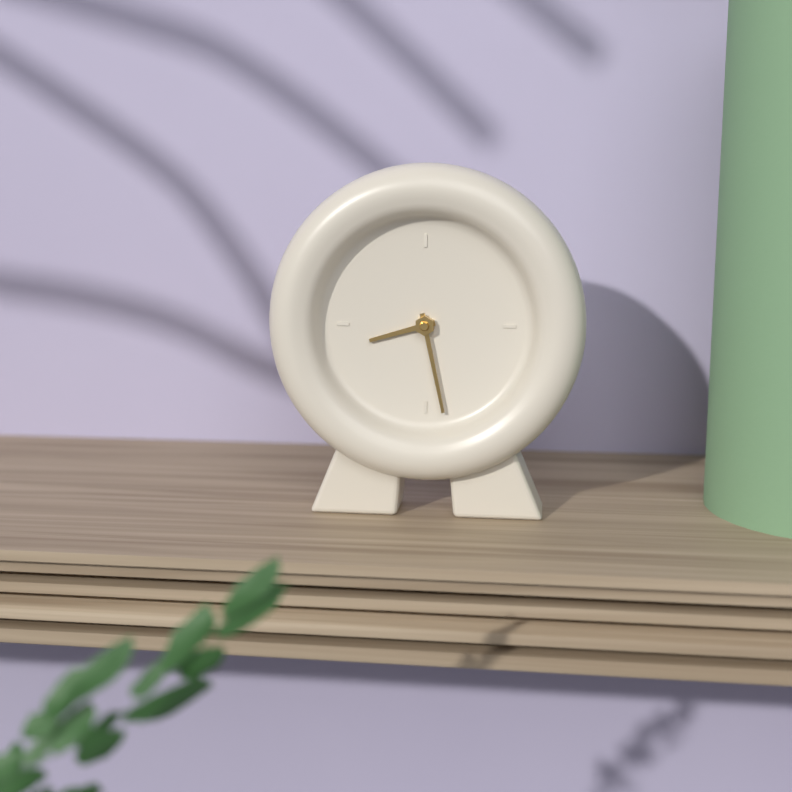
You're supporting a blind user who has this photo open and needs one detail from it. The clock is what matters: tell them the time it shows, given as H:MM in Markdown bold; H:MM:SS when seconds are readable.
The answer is **8:28**
